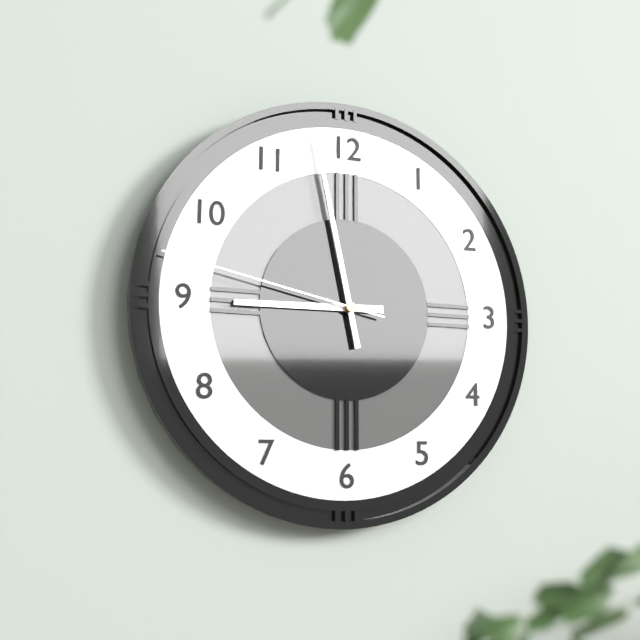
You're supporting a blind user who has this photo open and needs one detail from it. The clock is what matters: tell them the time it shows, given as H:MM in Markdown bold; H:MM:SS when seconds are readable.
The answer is **8:58:47**
